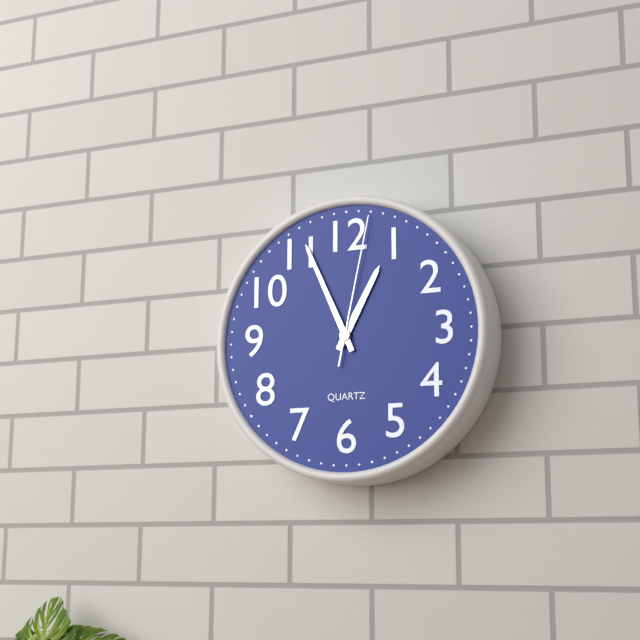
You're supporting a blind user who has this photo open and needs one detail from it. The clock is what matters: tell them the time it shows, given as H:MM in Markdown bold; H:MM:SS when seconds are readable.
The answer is **12:56:02**
